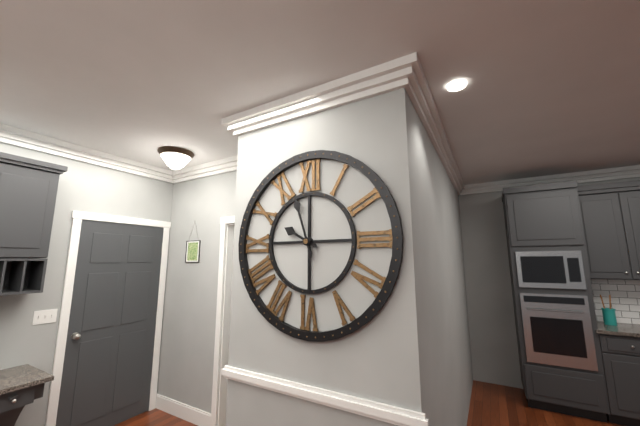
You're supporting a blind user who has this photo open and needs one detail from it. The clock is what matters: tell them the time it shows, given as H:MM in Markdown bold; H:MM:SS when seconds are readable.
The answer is **9:57**
